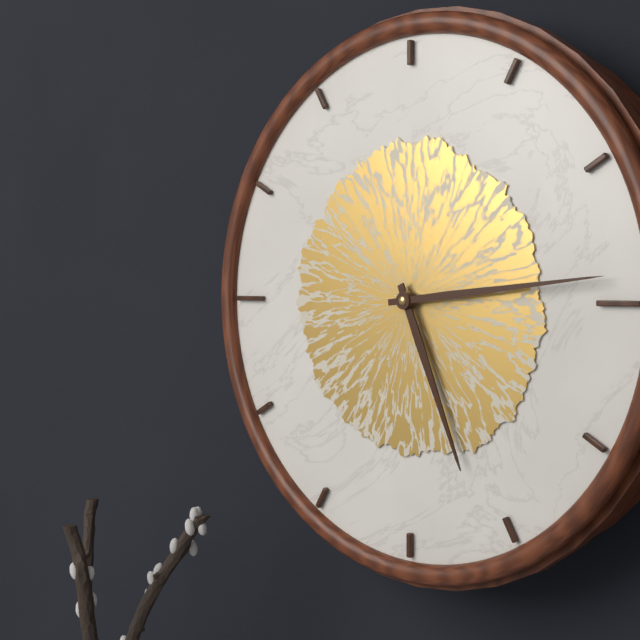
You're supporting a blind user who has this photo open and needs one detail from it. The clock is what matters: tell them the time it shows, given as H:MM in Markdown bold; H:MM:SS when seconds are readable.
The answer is **5:14**
